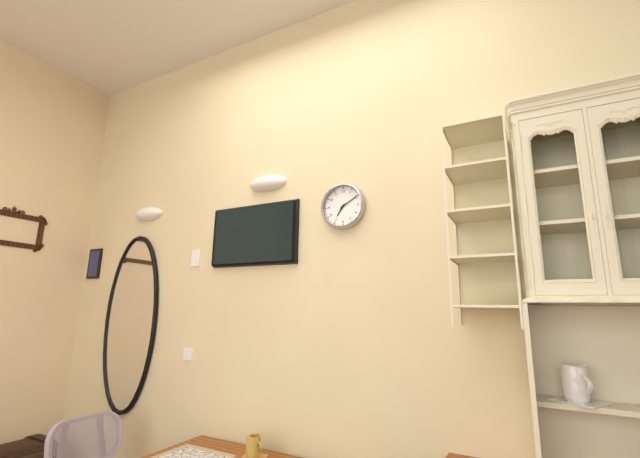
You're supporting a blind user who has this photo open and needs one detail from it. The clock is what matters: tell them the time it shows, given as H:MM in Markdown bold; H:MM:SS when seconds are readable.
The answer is **7:10**
